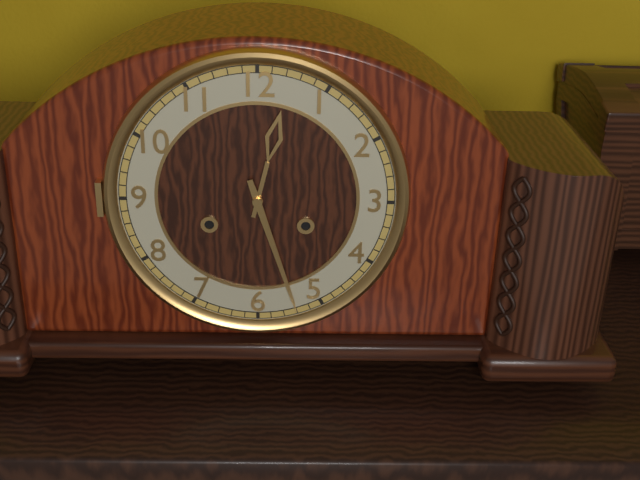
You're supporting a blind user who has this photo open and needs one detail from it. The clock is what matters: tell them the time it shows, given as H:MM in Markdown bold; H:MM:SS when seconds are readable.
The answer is **12:27**
